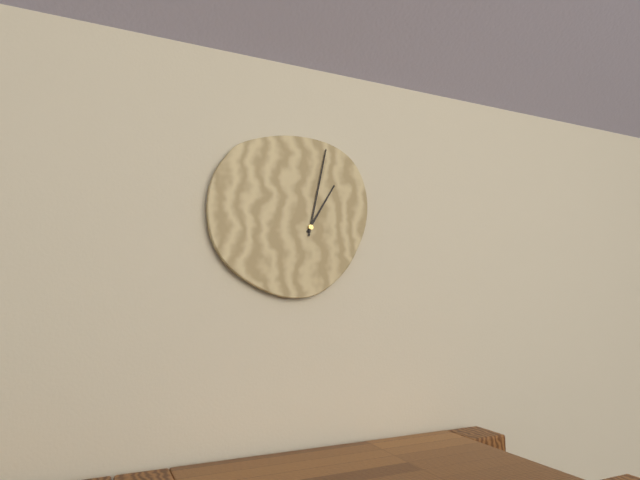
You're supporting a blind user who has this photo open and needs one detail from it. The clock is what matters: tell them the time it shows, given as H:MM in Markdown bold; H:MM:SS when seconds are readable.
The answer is **1:02**
